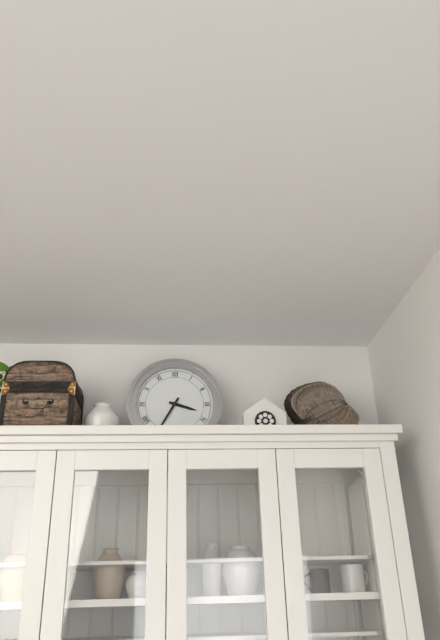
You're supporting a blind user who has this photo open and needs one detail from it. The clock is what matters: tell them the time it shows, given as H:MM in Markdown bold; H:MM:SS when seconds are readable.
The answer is **3:35**
